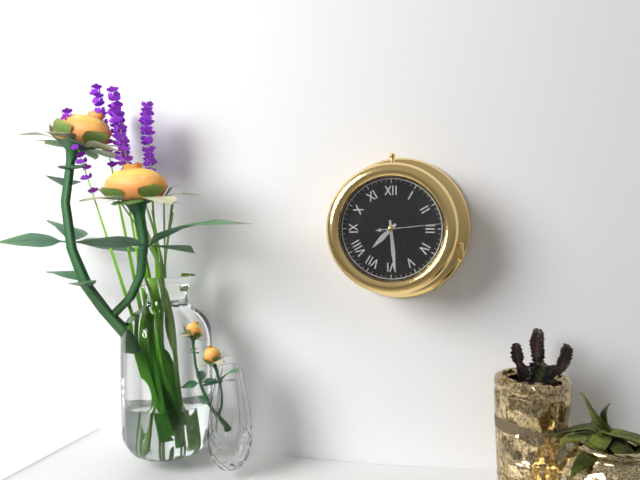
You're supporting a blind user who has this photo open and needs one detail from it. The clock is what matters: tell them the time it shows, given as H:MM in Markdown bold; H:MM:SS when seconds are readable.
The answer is **7:29:14**
